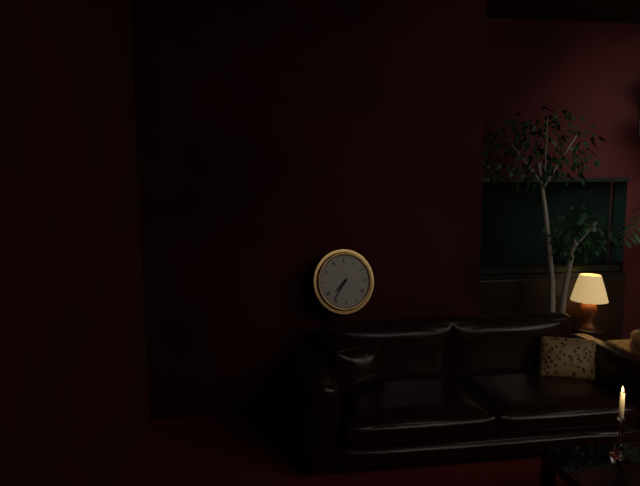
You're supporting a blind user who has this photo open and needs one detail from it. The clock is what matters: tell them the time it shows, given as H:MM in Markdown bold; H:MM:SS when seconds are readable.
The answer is **7:36**
